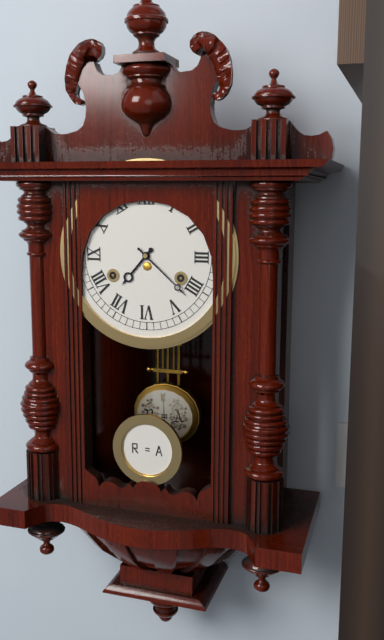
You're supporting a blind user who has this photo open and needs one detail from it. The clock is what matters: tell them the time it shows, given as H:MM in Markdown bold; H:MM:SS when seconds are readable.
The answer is **7:22**
